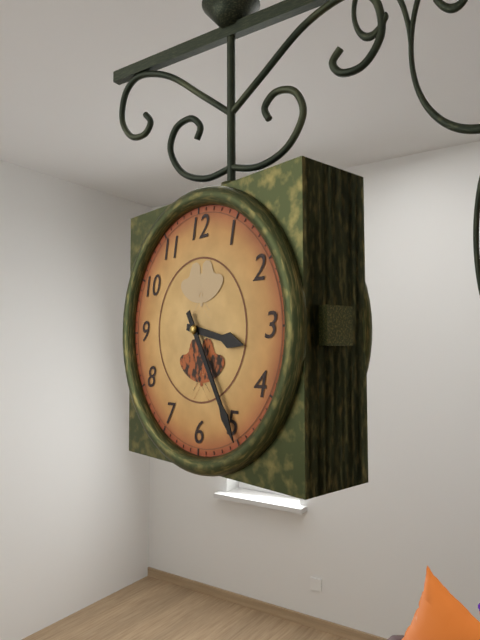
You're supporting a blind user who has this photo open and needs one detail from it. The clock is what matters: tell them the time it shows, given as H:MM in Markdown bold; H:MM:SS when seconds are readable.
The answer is **3:25**
